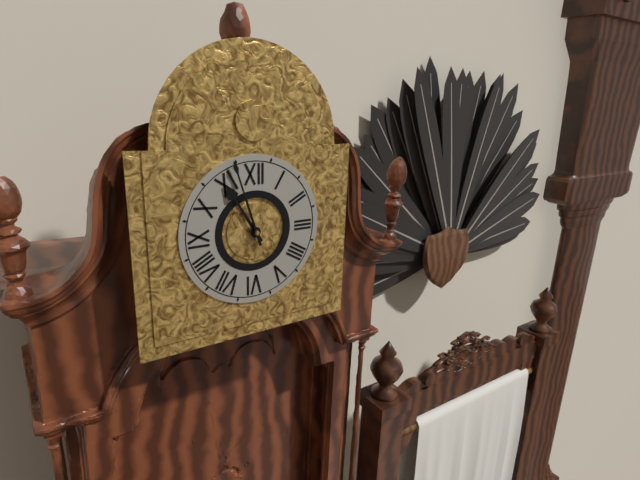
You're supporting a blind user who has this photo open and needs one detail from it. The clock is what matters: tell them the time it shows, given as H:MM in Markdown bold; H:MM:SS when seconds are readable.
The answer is **10:57**
